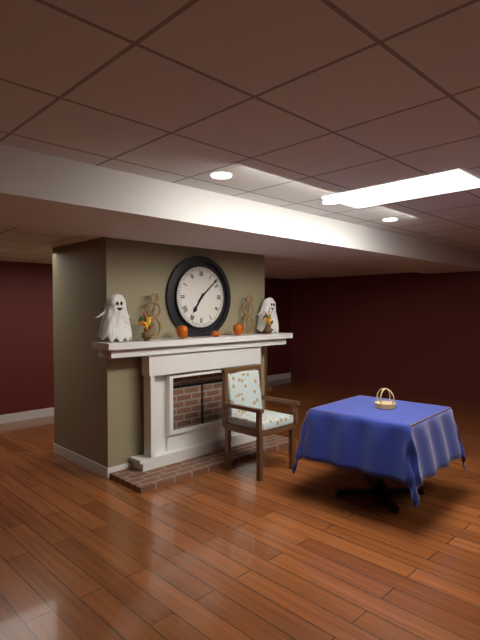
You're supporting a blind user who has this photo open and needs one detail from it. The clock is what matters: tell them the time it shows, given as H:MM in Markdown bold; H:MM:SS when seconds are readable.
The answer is **7:08**
